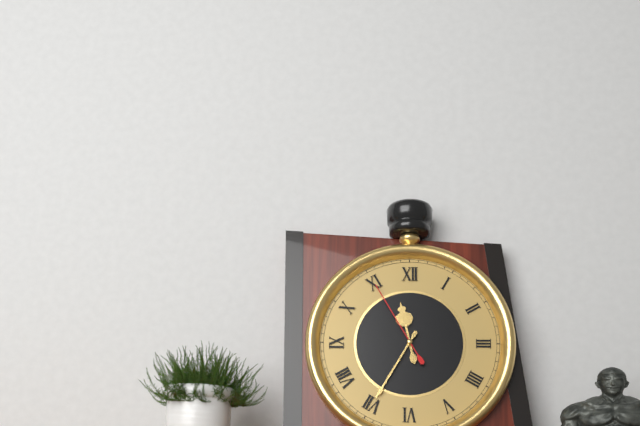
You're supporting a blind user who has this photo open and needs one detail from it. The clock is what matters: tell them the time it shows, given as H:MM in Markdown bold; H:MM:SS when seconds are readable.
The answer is **11:35:55**
